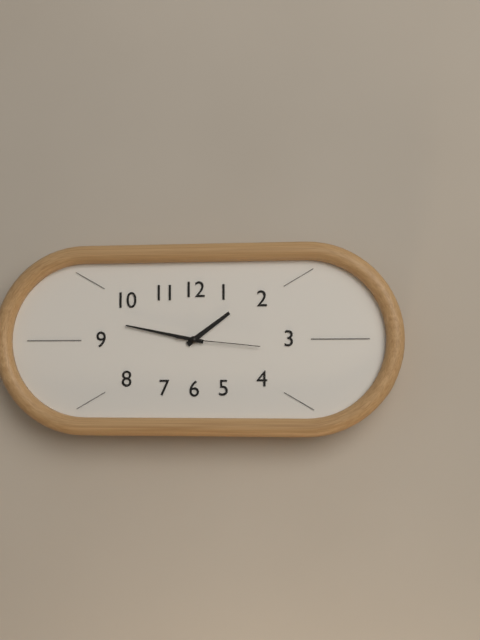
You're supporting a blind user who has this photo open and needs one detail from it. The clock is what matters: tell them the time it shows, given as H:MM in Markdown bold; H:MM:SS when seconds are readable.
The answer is **1:47:16**
